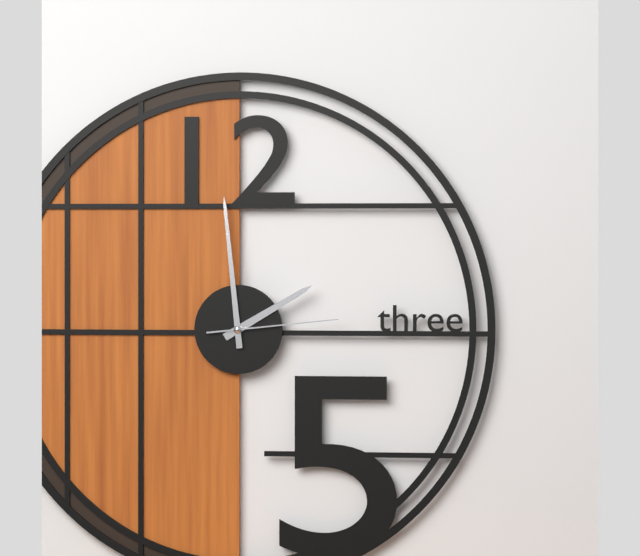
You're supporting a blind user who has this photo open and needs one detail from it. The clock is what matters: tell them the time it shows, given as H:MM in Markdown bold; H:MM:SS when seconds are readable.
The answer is **1:59:14**
